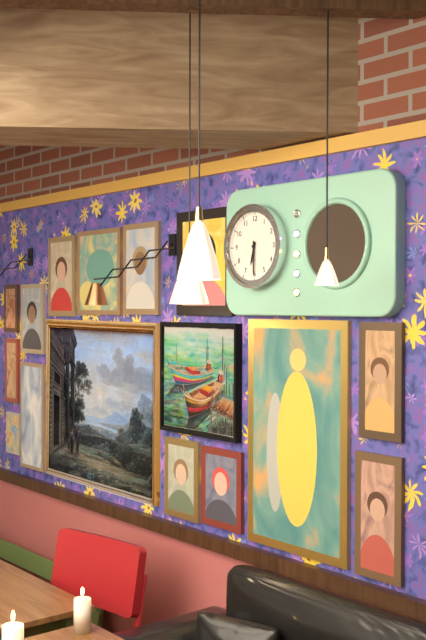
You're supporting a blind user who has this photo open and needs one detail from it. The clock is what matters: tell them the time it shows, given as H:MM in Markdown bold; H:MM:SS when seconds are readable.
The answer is **6:30**
